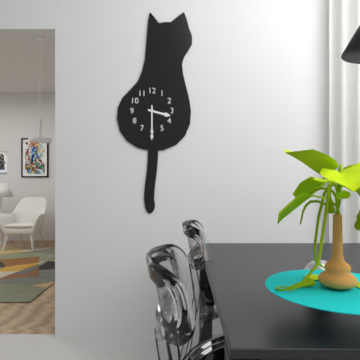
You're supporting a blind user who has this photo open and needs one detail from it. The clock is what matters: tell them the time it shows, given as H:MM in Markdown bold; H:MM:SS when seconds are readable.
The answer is **3:30**
